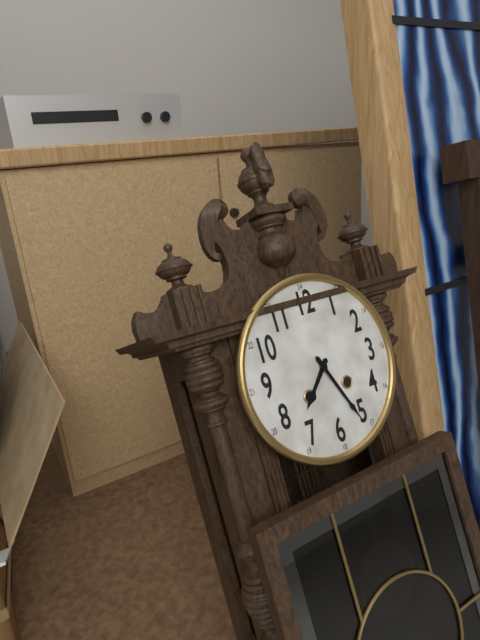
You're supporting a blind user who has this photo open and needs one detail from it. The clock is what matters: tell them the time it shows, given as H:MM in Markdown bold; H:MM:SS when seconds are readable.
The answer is **7:26**
